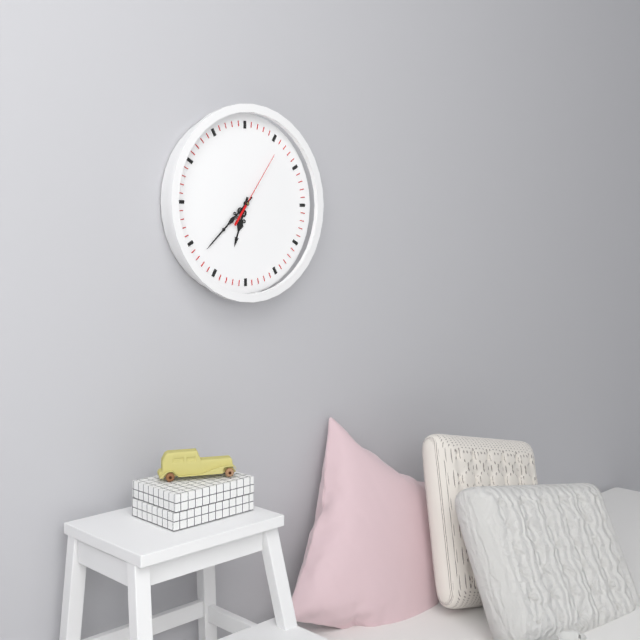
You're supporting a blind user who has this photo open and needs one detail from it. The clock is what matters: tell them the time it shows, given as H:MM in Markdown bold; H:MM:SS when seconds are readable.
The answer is **6:38:06**
